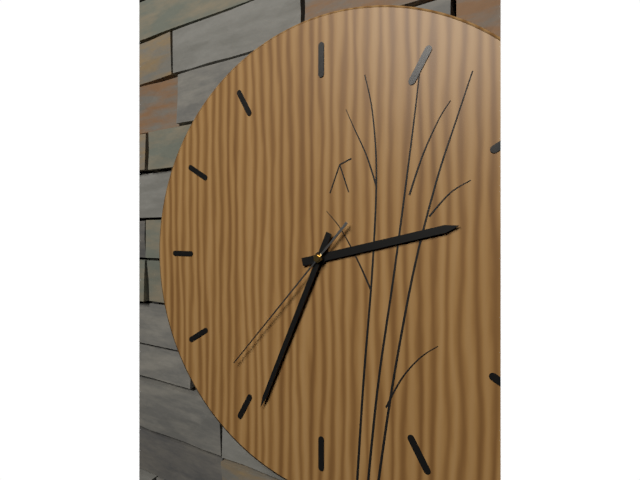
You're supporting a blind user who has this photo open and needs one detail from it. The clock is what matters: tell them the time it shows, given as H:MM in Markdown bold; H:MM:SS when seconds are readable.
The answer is **2:34:37**
